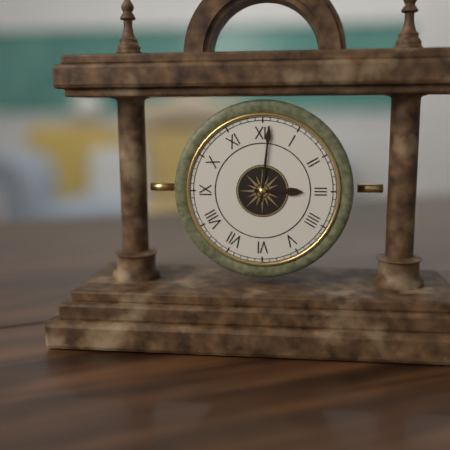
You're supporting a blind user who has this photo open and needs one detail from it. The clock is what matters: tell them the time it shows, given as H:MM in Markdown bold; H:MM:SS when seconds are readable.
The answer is **3:01**
